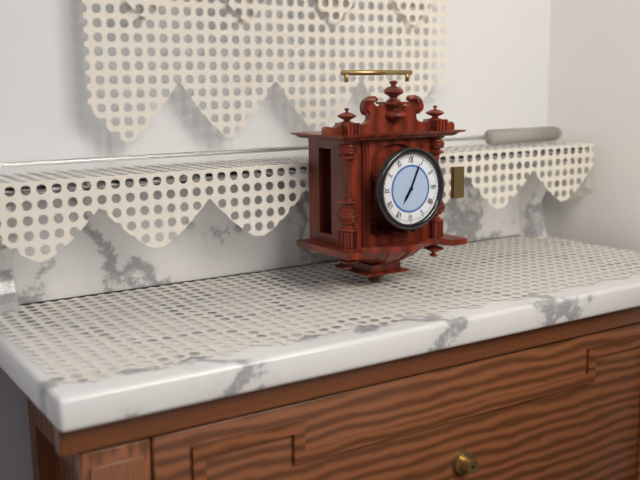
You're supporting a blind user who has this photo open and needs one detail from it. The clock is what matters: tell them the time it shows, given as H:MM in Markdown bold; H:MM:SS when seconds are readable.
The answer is **7:04**
